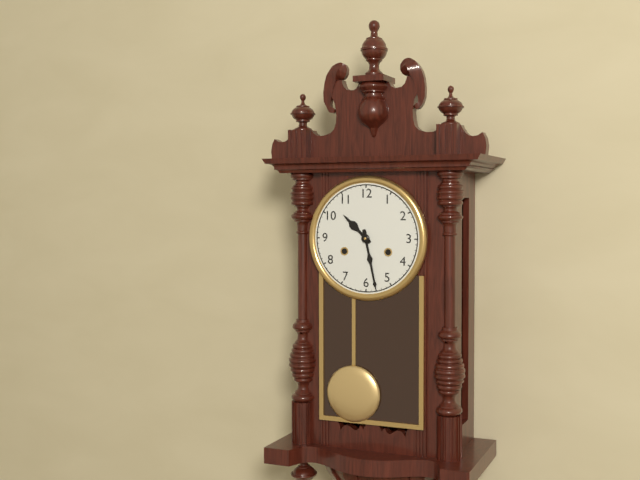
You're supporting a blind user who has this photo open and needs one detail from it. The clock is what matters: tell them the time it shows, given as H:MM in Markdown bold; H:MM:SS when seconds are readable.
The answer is **10:28**
